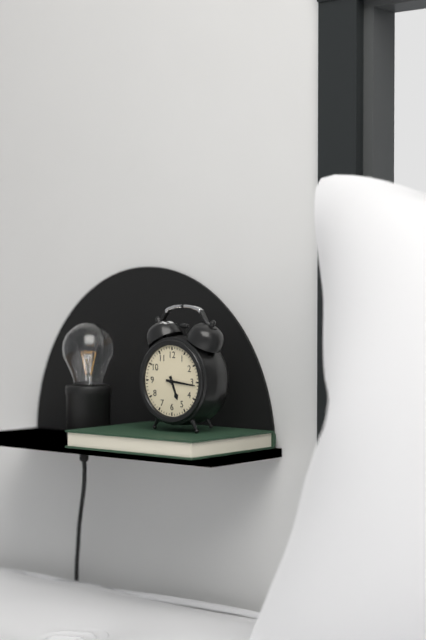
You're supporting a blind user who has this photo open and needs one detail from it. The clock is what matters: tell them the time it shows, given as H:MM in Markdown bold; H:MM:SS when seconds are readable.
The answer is **5:16**
